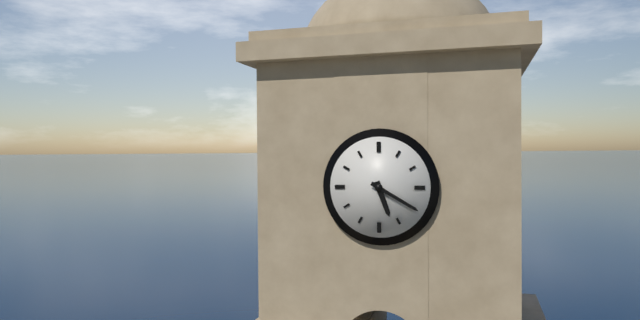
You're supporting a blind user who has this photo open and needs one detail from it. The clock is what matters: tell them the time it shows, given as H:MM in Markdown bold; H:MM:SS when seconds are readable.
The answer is **5:20**
